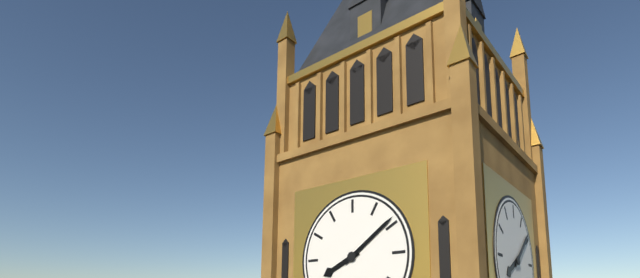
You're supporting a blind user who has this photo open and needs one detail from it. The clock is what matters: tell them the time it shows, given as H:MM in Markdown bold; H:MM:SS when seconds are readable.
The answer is **8:09**
